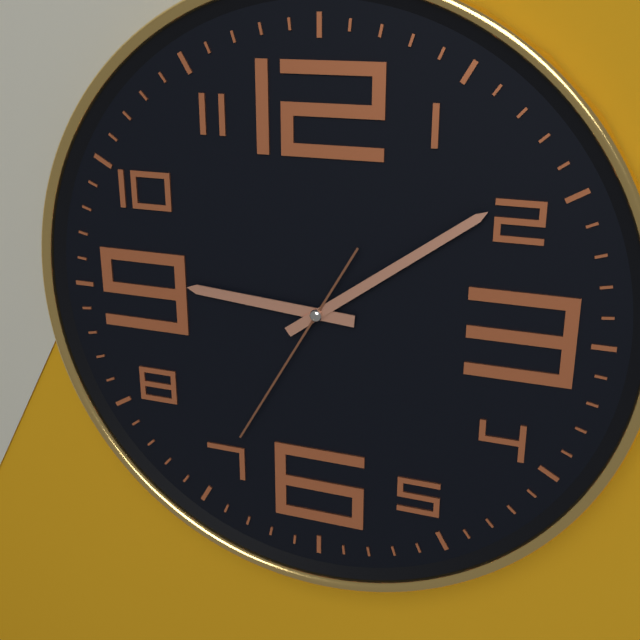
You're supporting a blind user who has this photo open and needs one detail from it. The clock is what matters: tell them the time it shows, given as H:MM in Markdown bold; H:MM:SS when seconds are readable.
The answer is **9:09:35**
